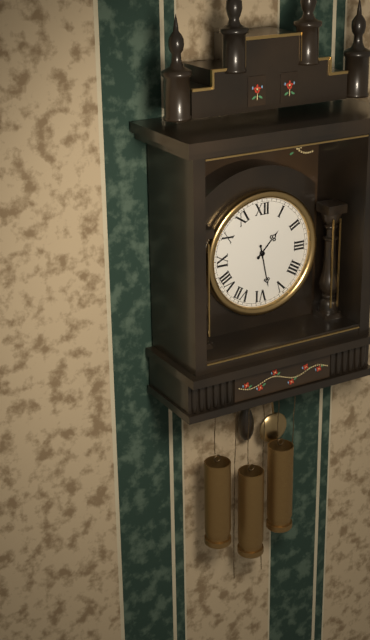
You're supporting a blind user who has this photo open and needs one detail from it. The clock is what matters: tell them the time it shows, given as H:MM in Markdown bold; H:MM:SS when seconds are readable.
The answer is **1:28**
